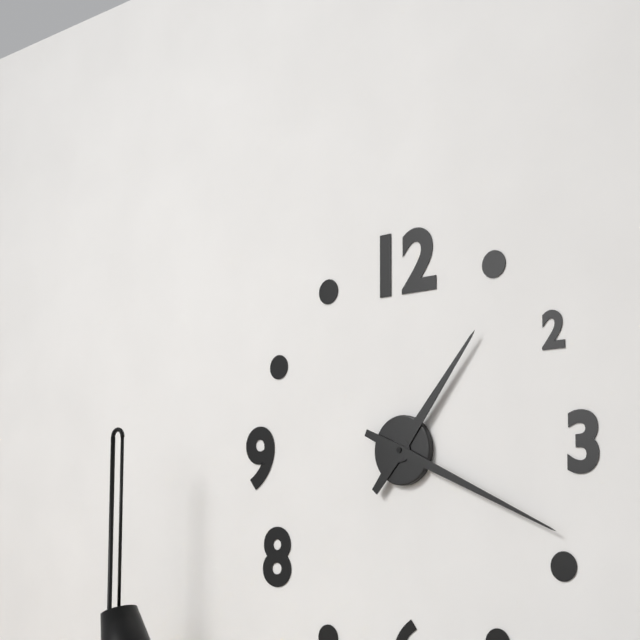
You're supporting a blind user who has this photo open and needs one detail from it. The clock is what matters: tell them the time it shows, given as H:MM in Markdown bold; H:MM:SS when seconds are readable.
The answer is **1:19**
